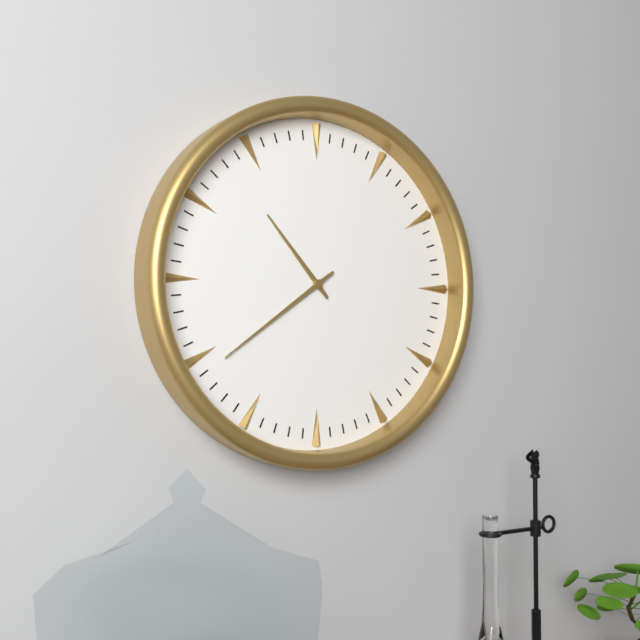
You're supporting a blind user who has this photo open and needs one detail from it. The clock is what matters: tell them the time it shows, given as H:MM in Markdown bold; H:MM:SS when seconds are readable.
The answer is **10:39**
